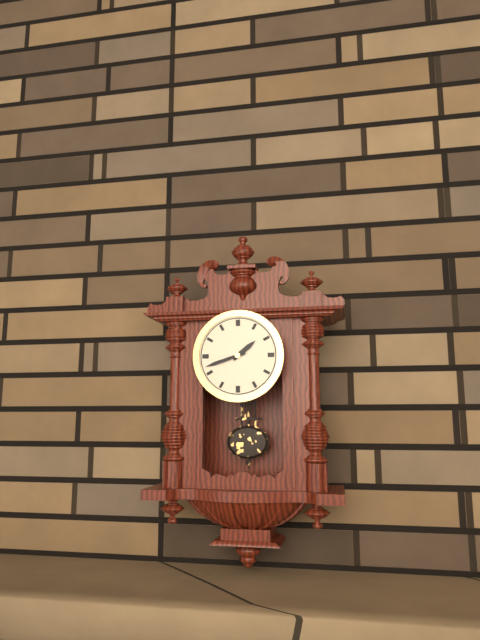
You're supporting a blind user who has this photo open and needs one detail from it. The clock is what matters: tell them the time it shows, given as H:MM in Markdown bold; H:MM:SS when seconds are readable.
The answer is **1:42**
